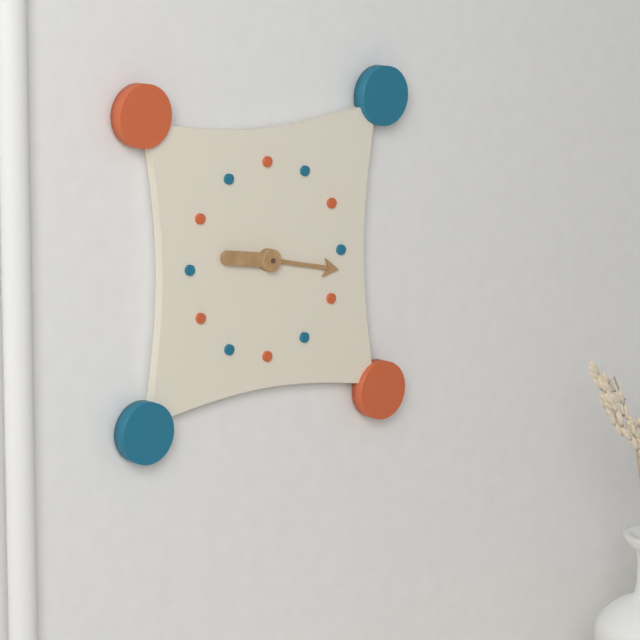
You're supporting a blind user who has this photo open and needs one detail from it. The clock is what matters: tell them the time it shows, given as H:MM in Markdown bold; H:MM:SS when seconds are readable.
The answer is **9:17**
